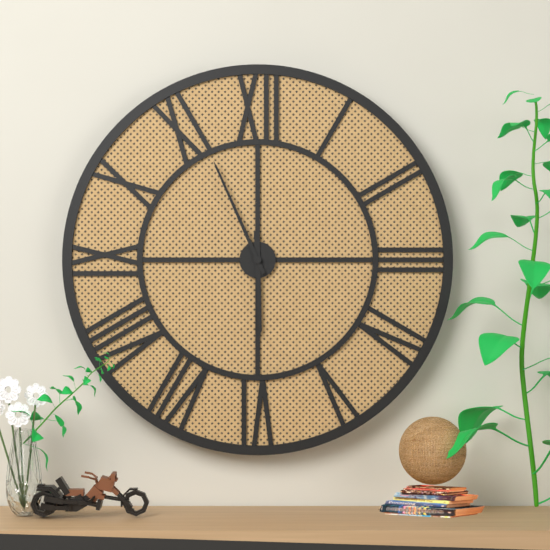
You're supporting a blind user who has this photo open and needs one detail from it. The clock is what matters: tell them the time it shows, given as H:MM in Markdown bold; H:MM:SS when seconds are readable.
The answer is **5:56**
